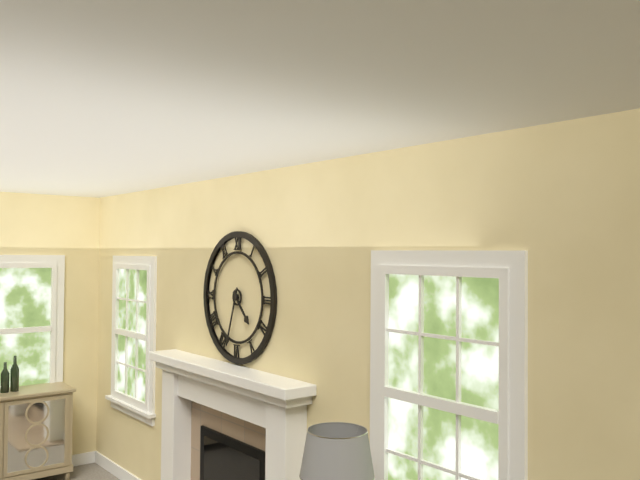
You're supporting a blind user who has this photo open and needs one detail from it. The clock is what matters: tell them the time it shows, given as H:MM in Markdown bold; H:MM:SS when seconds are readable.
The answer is **4:33**
